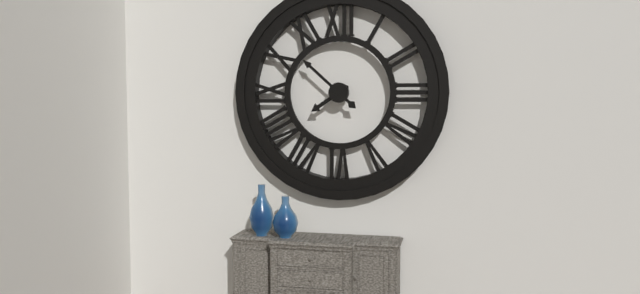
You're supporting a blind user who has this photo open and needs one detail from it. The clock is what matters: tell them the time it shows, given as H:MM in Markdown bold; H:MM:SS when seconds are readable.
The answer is **7:52**
